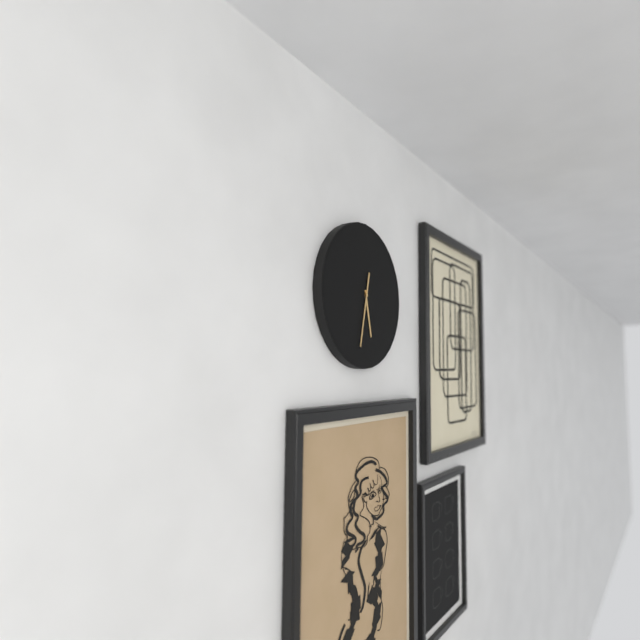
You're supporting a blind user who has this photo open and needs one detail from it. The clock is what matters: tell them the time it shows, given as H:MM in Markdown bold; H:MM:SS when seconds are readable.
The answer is **5:32**
